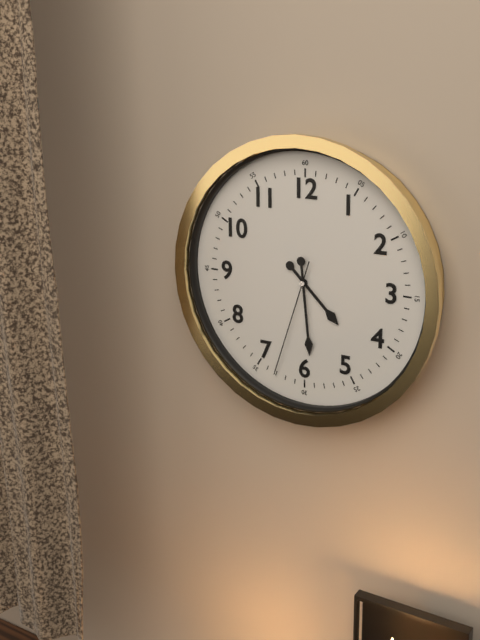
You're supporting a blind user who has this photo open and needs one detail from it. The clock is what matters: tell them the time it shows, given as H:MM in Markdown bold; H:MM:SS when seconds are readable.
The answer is **4:29:33**
